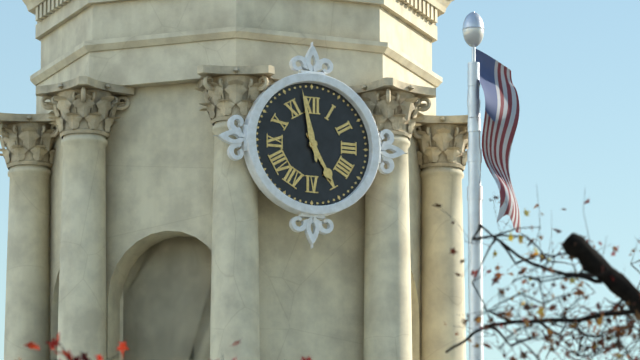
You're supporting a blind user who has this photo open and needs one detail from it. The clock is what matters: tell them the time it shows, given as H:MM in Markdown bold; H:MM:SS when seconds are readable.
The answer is **4:58**
